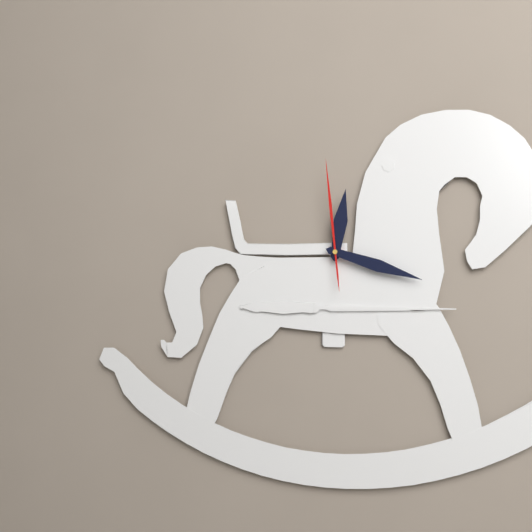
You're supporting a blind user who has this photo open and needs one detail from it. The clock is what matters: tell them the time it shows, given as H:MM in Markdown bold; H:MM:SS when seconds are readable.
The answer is **12:18:59**
